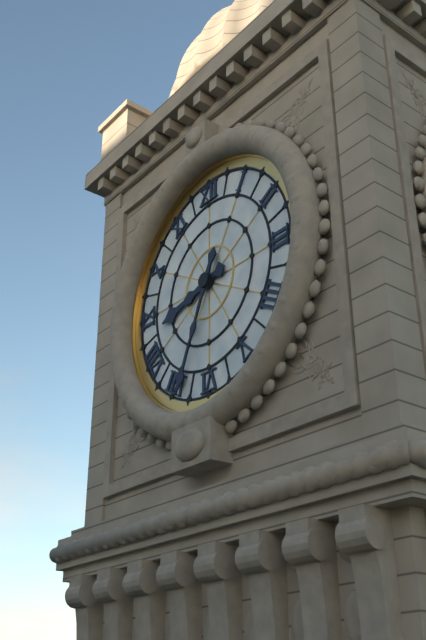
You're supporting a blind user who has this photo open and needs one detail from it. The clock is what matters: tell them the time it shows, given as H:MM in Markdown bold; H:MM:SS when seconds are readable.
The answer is **8:34**
